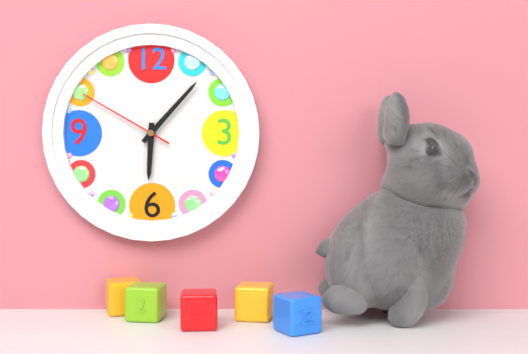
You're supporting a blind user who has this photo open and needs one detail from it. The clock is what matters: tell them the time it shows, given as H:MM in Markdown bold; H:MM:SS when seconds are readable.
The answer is **6:07:50**
